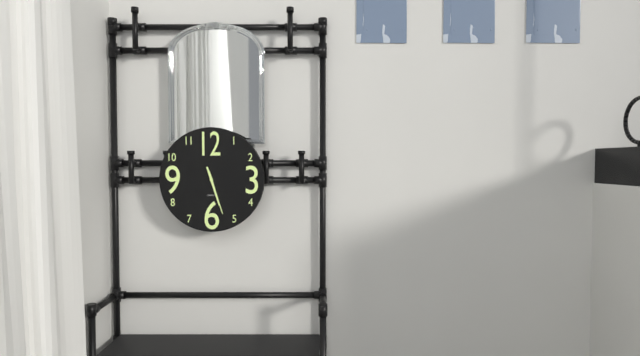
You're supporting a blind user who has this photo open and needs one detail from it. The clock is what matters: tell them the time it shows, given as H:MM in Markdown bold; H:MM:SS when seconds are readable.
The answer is **5:27**
